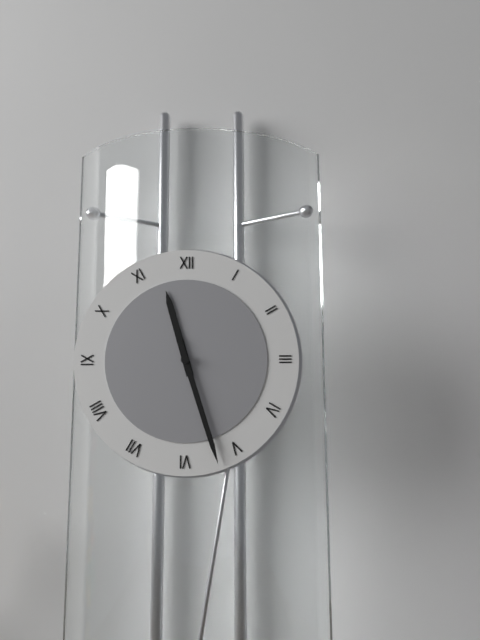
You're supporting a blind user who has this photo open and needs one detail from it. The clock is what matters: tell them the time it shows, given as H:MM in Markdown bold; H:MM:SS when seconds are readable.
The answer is **11:27**
